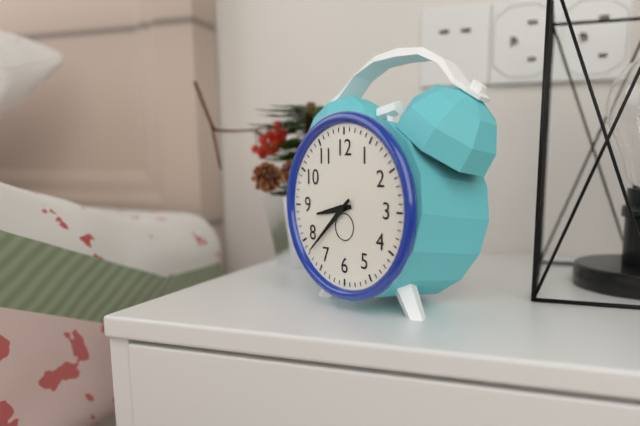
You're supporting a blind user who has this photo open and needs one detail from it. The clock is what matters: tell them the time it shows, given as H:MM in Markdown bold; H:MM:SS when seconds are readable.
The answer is **8:38**
